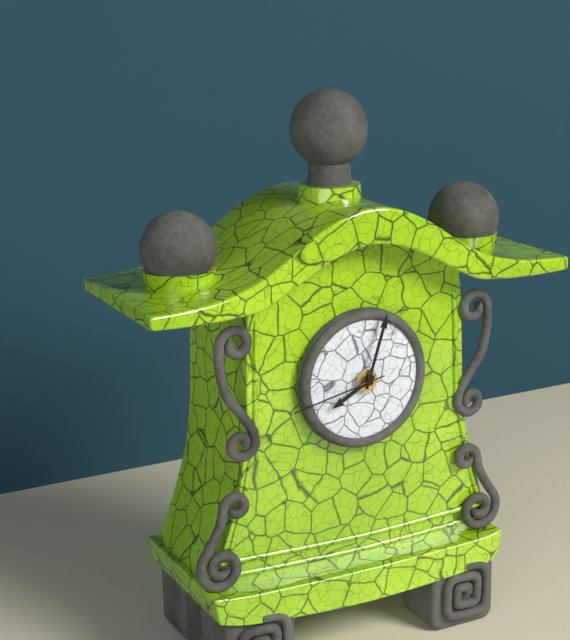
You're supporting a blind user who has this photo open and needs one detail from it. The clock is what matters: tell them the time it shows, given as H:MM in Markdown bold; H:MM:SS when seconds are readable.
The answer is **8:03:43**
